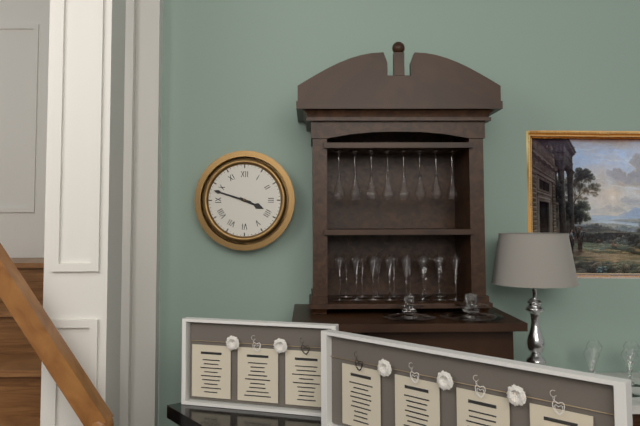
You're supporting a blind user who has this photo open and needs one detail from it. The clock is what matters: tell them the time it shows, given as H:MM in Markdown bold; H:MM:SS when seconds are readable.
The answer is **3:48**
